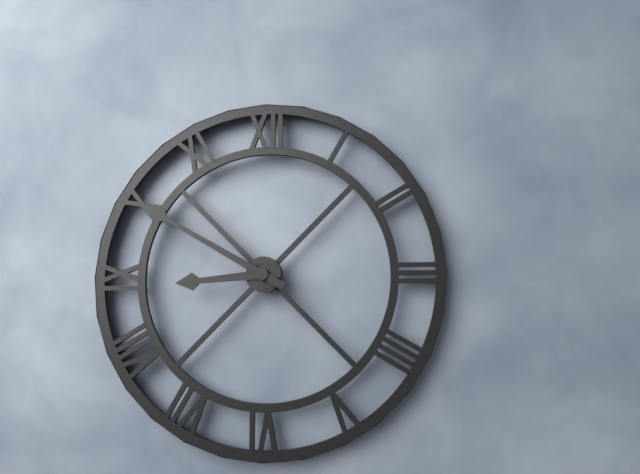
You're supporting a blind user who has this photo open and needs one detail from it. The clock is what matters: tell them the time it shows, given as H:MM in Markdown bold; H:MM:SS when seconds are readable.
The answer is **8:50**
